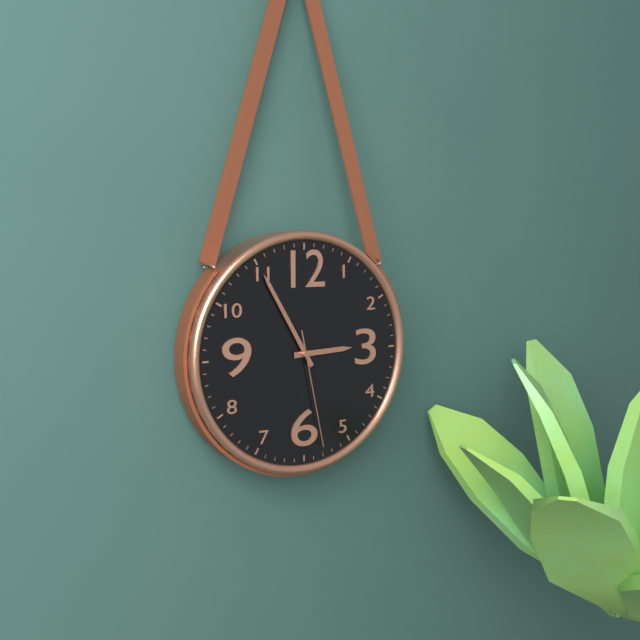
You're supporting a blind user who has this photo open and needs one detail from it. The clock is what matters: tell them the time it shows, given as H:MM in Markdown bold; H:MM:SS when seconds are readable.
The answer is **2:55:28**
